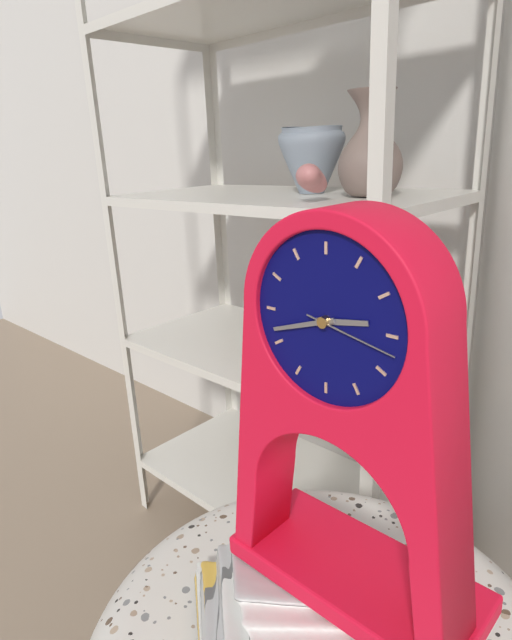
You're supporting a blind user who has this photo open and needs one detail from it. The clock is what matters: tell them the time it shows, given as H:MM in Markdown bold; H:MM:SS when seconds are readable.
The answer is **2:42:17**
